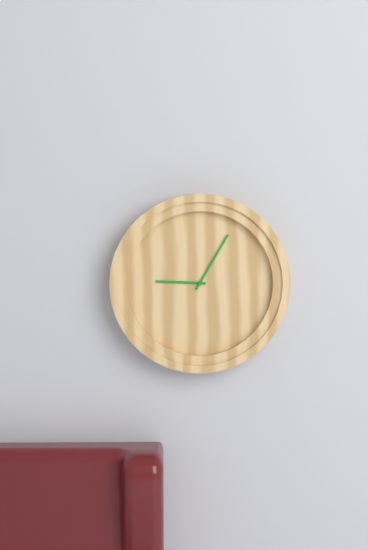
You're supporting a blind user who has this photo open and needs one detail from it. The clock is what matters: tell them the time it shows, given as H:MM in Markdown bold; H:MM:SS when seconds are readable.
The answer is **9:05**
